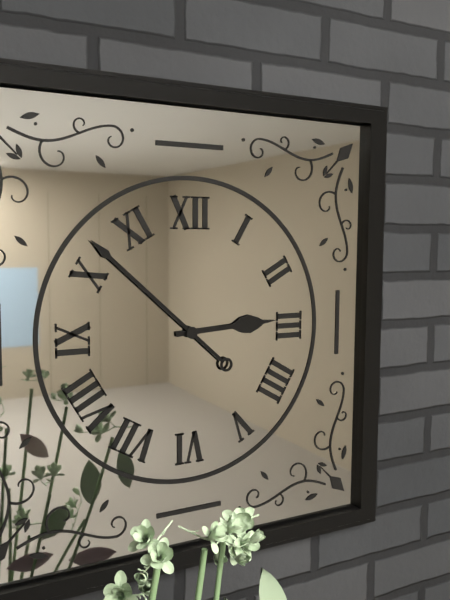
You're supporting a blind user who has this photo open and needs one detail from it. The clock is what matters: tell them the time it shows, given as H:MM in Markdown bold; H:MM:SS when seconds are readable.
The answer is **2:52**
